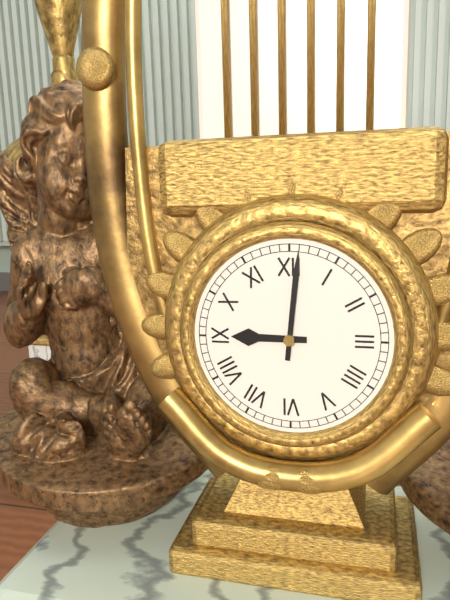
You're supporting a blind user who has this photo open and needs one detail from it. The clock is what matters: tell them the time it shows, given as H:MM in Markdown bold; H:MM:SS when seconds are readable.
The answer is **9:01**
